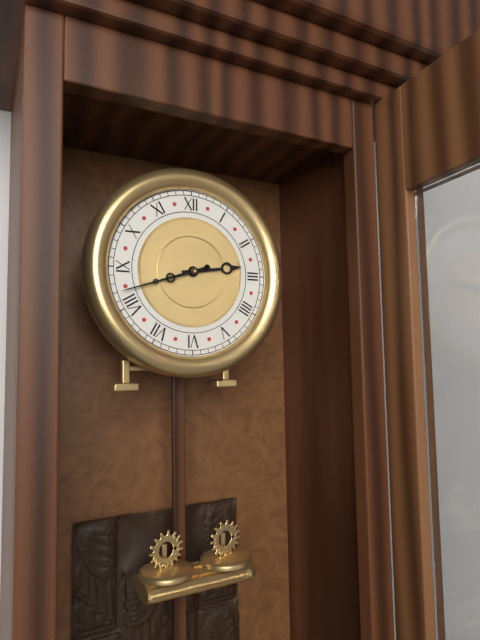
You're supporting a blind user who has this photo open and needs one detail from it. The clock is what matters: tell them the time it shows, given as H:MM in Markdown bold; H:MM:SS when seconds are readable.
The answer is **2:42**
